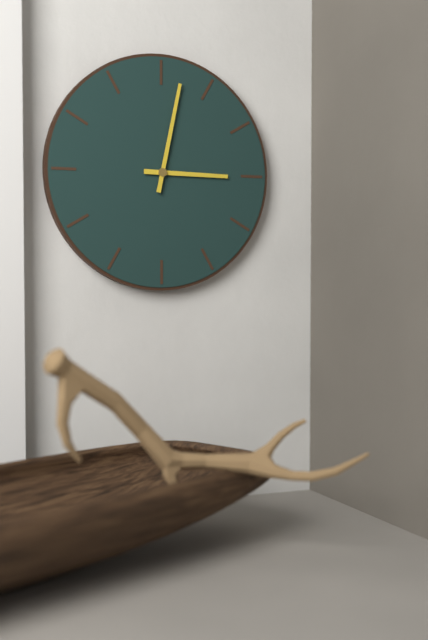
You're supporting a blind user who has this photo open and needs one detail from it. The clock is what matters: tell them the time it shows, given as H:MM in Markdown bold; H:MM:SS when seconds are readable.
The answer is **3:02**
